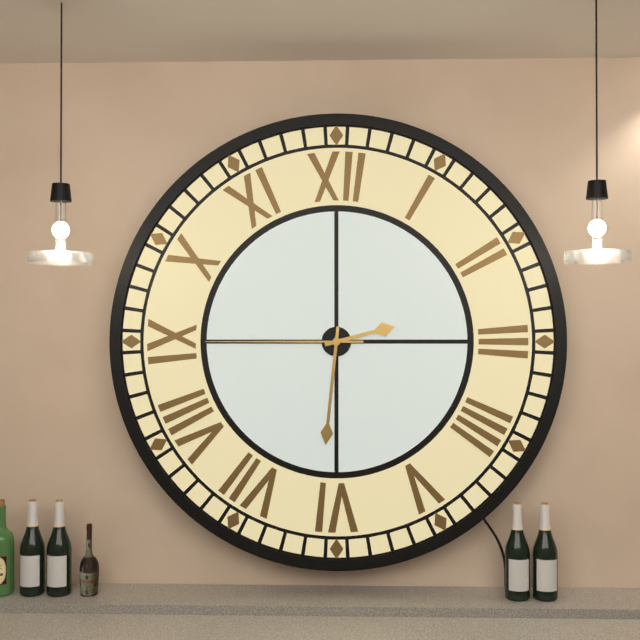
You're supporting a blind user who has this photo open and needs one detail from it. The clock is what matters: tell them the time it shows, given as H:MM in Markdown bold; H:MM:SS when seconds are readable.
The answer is **2:31:45**
